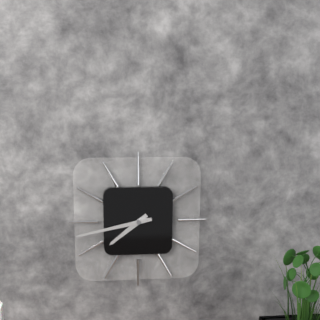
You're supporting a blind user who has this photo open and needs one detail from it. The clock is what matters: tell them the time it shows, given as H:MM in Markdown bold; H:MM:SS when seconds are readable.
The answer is **7:43**
